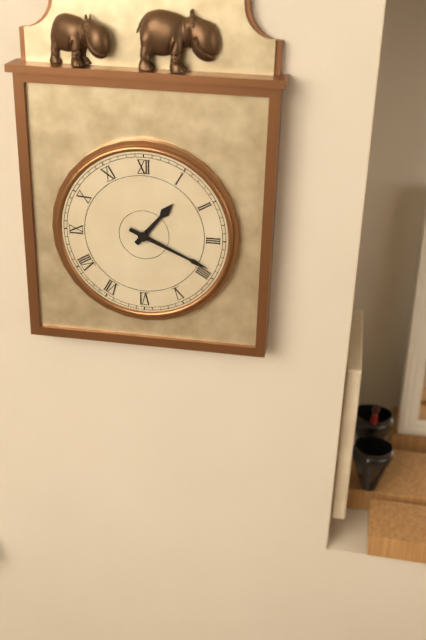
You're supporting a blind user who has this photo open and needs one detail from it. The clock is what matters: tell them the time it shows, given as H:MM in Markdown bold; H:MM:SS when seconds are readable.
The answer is **1:19**
